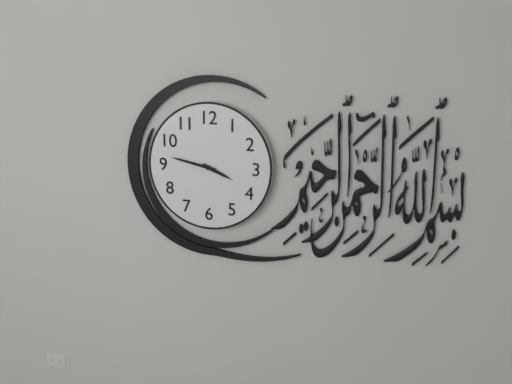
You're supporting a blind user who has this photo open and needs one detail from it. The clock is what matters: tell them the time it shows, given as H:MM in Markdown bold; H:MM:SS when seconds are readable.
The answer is **3:47**
